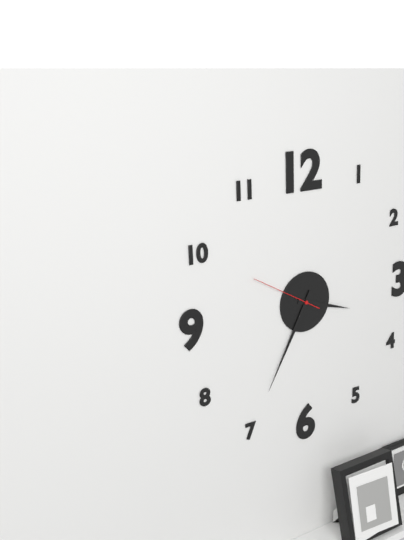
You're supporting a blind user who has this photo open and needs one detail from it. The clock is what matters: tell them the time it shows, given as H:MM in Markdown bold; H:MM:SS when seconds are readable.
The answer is **3:35:50**
